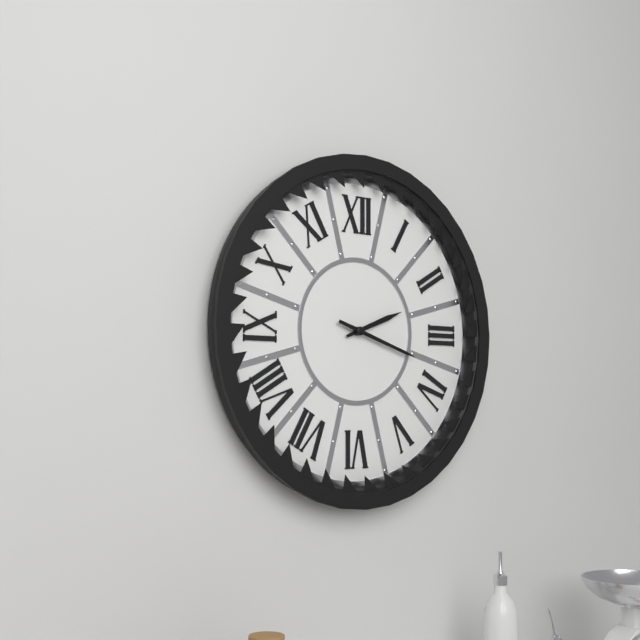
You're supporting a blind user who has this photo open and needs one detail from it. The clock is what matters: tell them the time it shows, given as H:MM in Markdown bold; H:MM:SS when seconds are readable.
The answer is **2:18**
